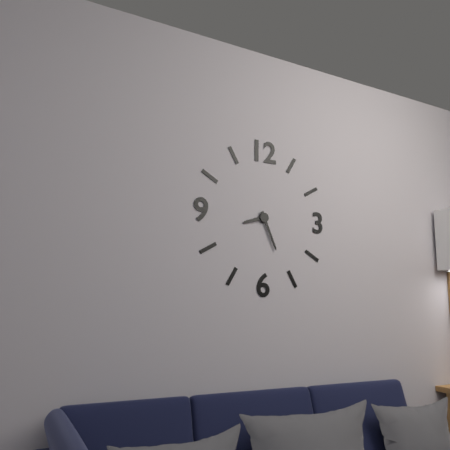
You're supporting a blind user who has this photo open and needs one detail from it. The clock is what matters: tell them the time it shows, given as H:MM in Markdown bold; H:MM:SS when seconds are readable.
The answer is **8:26**
